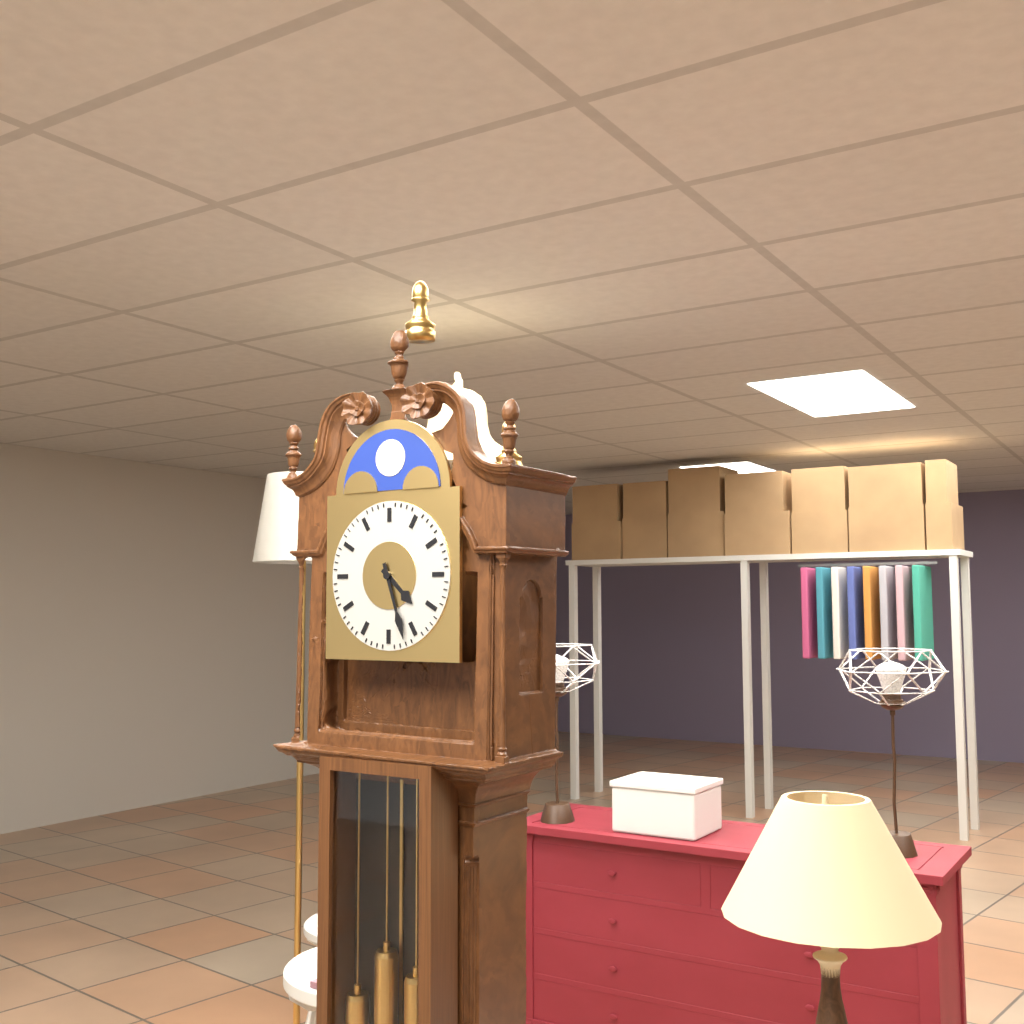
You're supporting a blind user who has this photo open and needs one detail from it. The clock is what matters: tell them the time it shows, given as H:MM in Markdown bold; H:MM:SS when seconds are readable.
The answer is **4:27**
